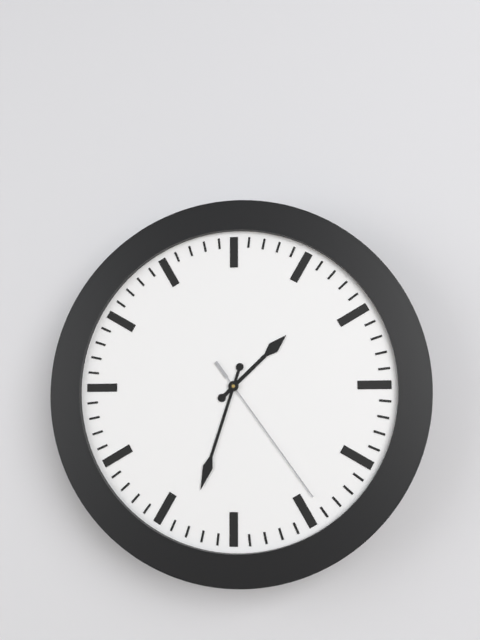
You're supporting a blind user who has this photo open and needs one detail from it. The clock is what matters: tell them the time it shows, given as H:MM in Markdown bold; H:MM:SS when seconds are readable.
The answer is **1:33:24**
